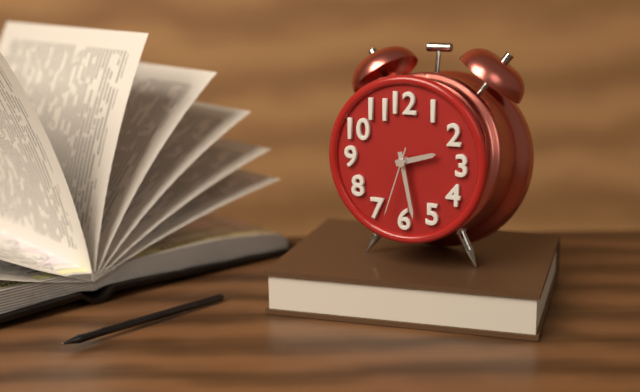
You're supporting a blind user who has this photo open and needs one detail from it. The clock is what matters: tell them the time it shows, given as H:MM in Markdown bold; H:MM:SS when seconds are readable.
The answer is **2:28:33**
